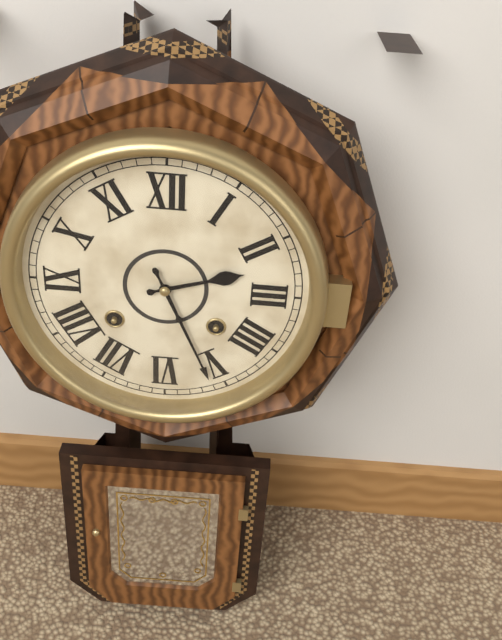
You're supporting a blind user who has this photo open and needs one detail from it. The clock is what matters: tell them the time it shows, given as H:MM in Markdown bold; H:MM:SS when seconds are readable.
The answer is **2:26**
